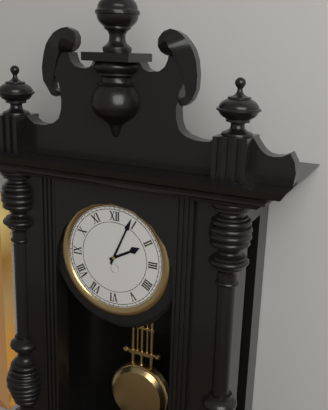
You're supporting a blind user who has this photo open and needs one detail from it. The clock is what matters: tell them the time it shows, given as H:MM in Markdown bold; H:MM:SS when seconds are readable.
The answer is **2:04**
